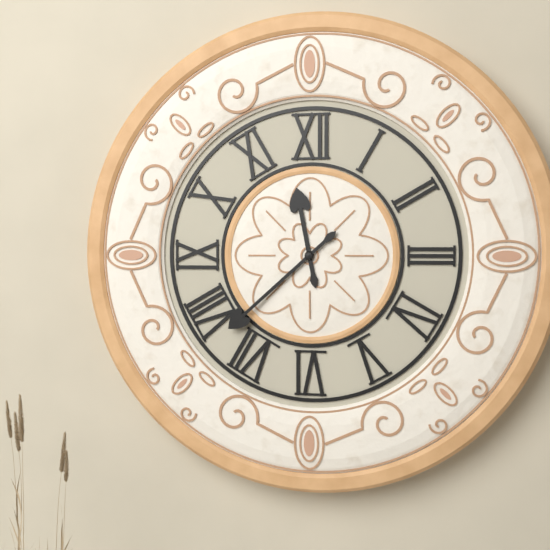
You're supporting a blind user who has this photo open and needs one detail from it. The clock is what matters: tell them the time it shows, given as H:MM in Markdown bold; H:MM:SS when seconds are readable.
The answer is **11:38**
